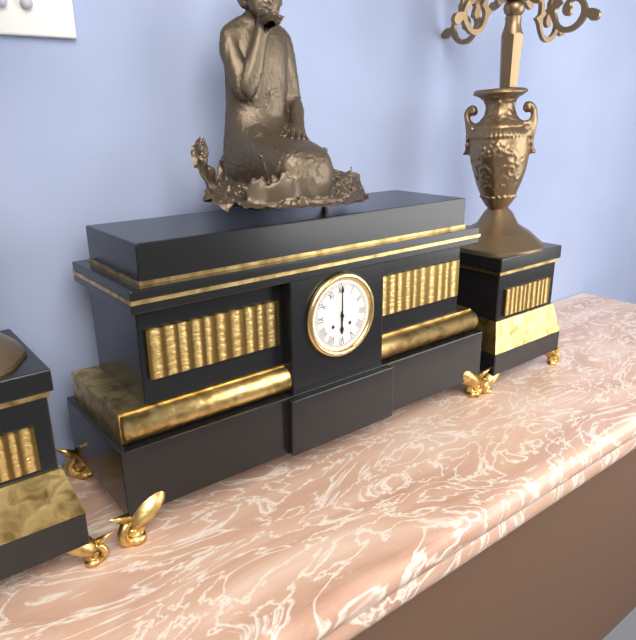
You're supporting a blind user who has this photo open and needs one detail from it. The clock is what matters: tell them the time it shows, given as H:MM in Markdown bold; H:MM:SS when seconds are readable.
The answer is **6:00**
